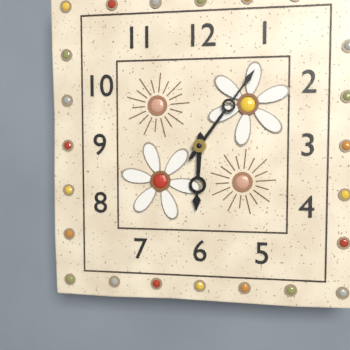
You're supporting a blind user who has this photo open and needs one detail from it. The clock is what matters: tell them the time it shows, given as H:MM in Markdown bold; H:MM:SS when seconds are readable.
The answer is **6:06**
